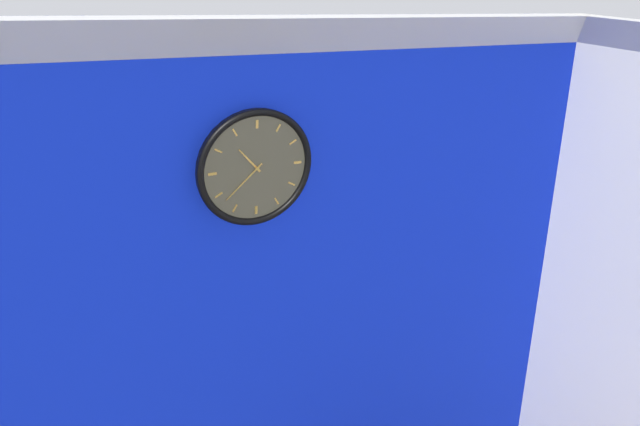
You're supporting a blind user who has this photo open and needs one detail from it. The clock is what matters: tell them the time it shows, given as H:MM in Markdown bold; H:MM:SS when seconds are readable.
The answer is **10:38**
